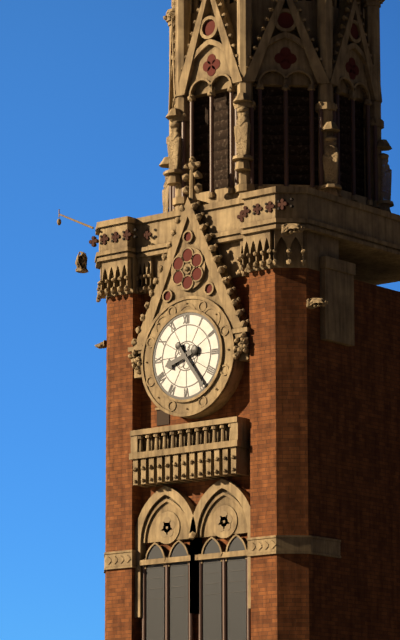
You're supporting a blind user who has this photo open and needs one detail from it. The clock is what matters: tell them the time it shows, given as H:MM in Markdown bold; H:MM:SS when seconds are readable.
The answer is **8:24**
